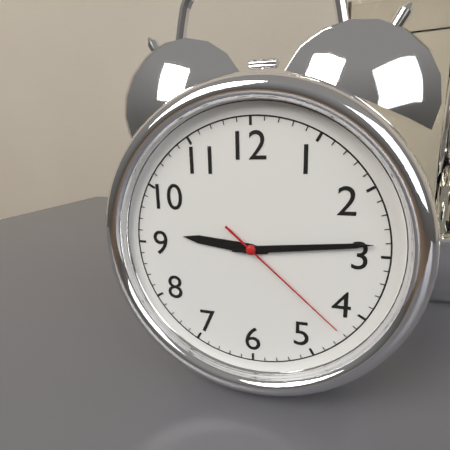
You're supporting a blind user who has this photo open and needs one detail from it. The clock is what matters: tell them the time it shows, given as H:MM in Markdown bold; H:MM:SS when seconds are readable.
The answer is **9:14:22**
